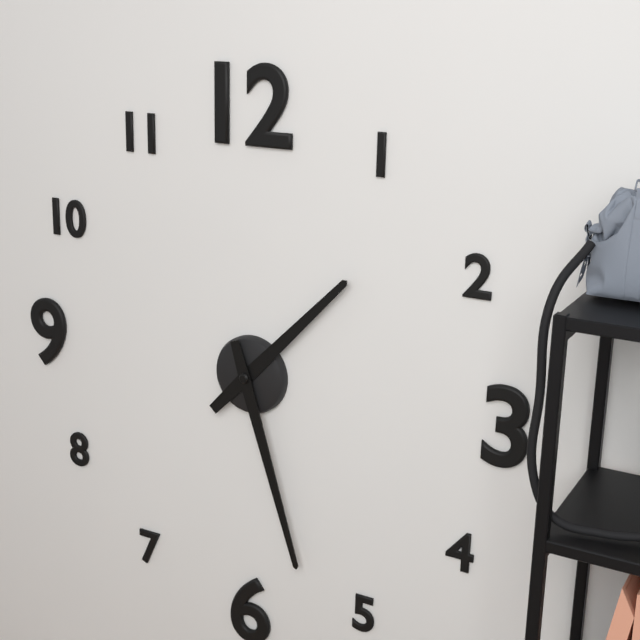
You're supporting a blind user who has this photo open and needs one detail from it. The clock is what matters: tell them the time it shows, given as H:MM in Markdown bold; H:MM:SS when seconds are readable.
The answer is **1:27**
